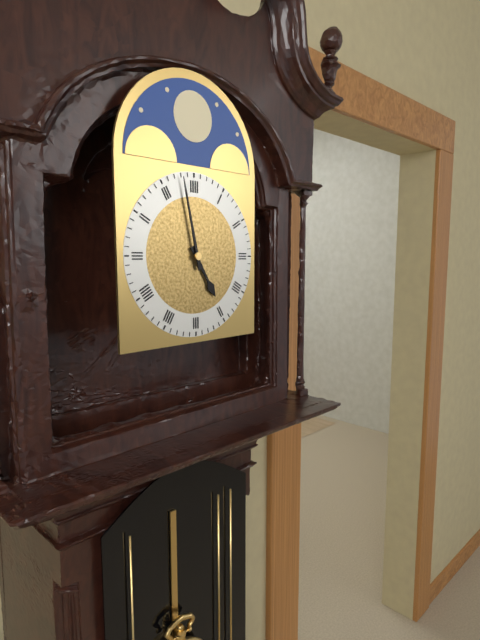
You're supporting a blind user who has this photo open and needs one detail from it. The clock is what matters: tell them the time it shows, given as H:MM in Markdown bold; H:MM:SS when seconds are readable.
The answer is **4:58**
